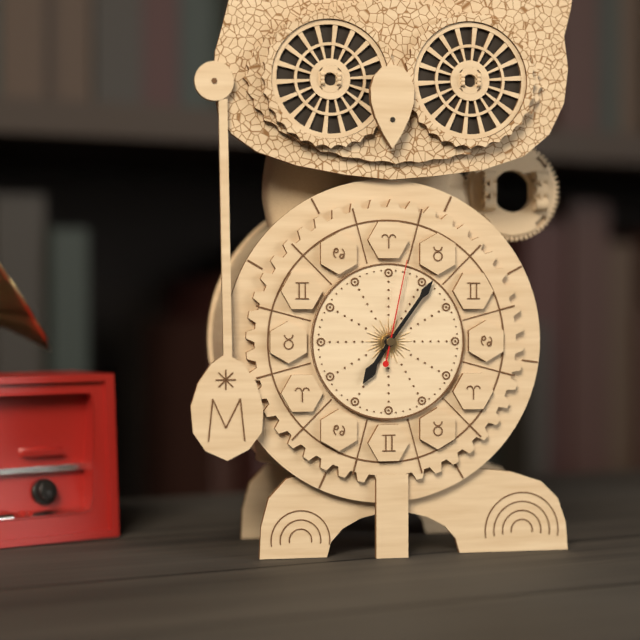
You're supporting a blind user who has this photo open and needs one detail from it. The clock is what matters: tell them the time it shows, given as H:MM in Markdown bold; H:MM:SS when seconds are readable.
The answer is **7:06:02**
